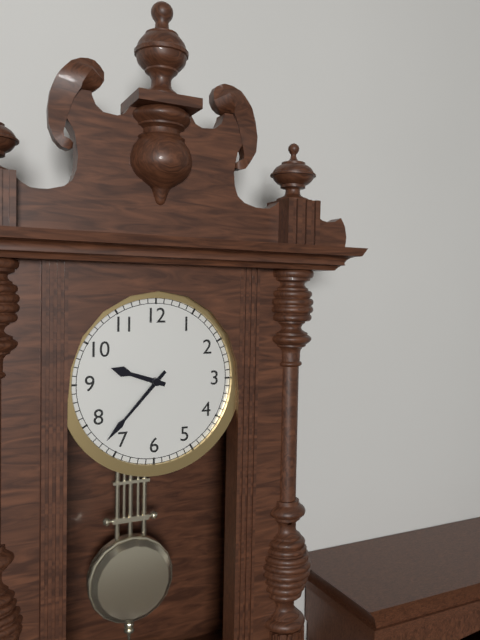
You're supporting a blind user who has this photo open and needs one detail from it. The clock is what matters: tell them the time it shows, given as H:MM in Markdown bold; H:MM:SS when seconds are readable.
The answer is **9:37**
